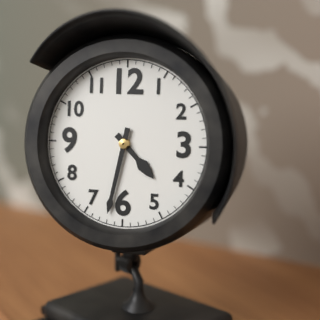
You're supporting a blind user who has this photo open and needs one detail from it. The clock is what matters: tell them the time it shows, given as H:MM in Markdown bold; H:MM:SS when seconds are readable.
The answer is **4:32**
